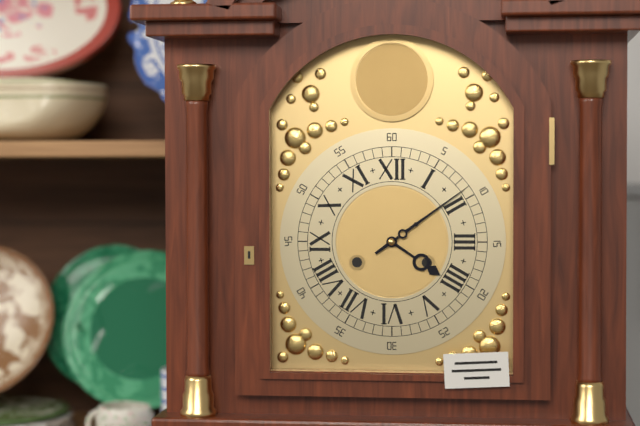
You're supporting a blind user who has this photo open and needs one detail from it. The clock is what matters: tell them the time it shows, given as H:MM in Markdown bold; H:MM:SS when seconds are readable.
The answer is **4:09**
